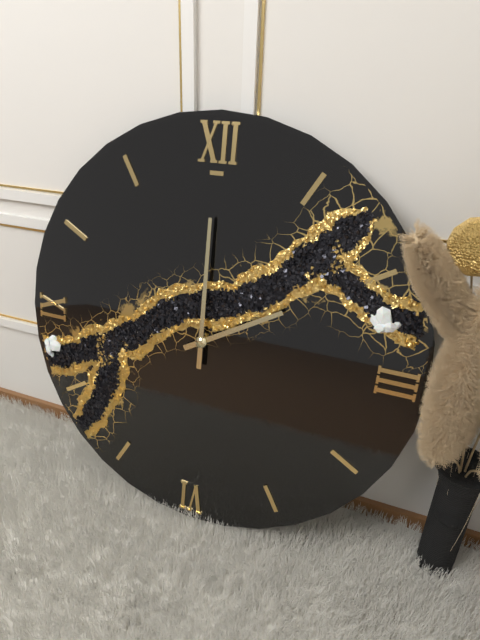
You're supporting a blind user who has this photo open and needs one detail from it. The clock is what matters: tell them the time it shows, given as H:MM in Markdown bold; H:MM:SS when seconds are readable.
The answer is **2:00**
